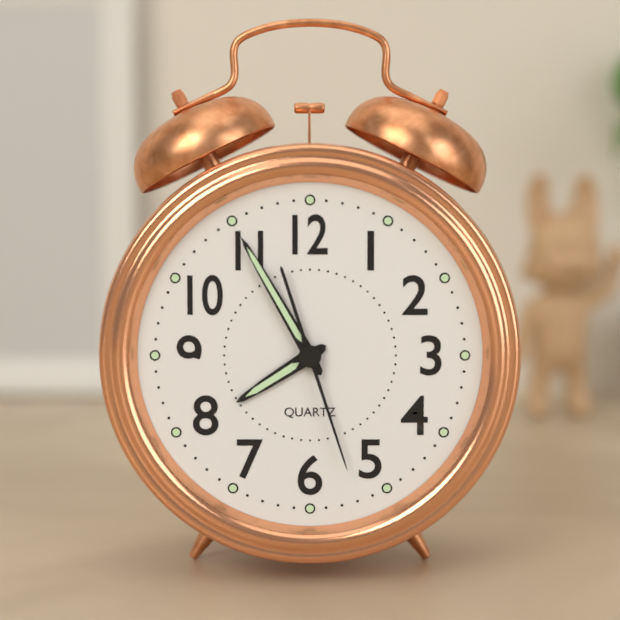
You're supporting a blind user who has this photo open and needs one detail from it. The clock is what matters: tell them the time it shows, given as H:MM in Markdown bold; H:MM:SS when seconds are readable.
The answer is **7:55:27**
